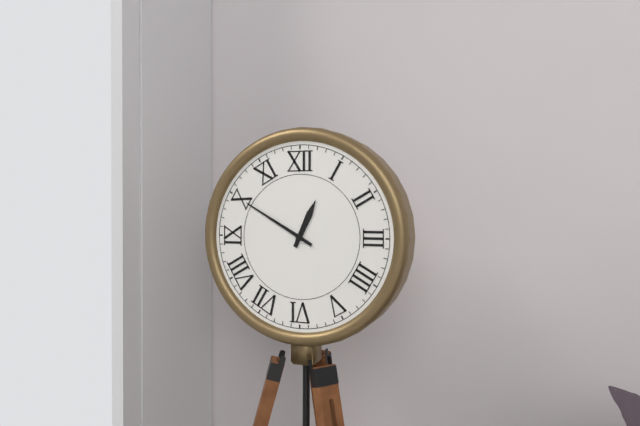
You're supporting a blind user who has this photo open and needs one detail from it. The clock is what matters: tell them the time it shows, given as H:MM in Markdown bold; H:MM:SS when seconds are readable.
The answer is **12:50**
